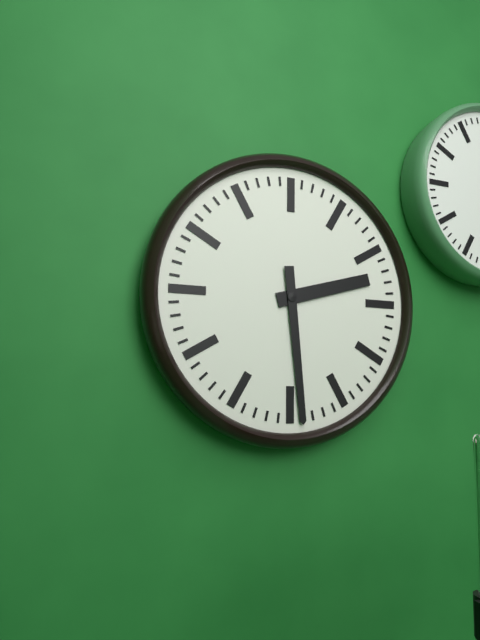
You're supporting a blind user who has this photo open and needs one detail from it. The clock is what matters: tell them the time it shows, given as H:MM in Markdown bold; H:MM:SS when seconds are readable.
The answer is **2:29**
